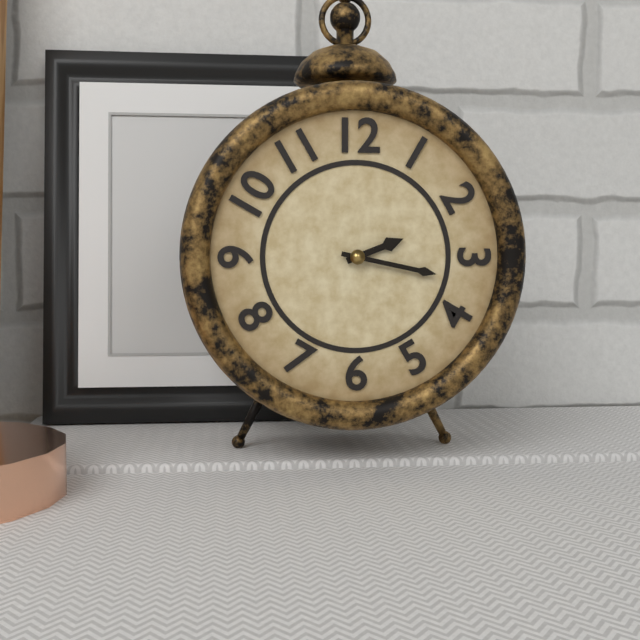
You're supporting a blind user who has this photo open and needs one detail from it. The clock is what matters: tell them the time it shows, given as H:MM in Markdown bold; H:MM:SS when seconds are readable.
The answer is **2:17**
